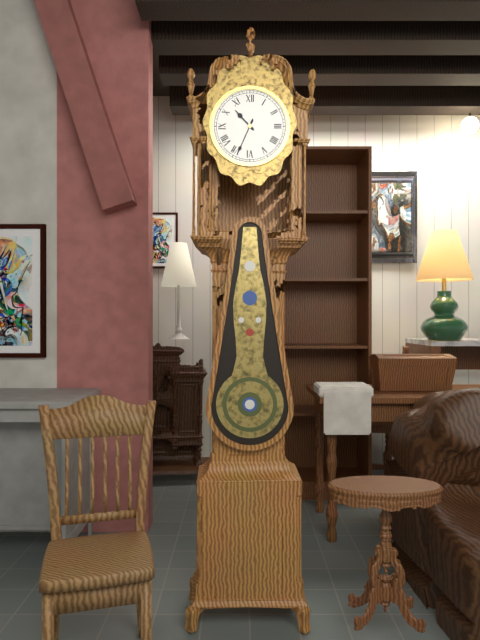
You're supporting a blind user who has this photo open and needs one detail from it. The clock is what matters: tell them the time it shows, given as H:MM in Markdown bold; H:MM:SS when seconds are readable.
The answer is **10:34**
